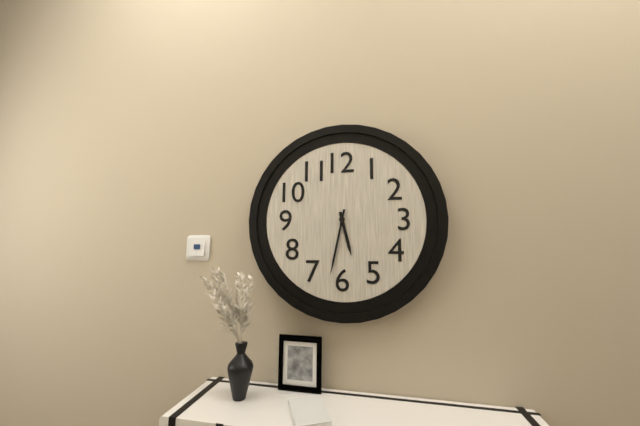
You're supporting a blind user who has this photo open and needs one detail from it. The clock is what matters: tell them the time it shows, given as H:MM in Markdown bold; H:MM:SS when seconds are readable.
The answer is **5:32**
